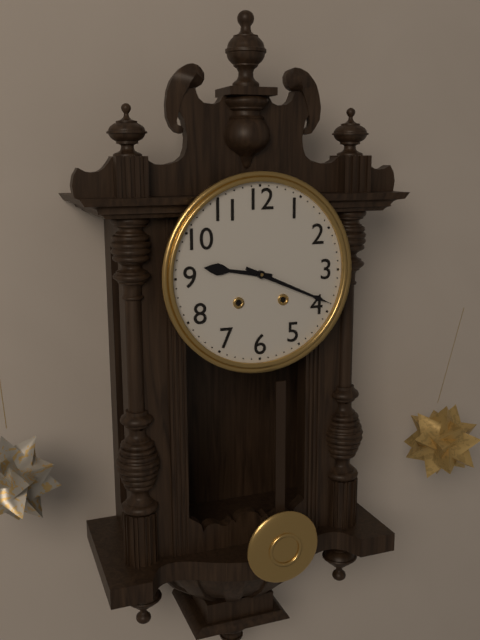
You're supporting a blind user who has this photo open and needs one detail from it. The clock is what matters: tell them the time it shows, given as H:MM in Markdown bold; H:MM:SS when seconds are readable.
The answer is **9:19**
